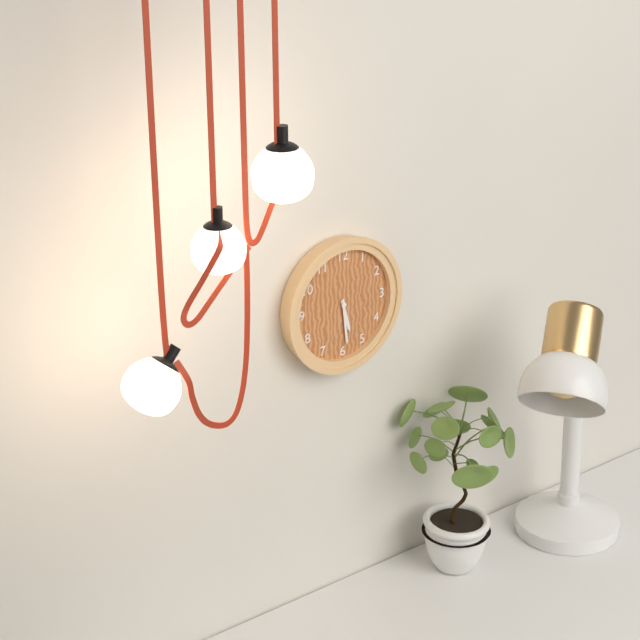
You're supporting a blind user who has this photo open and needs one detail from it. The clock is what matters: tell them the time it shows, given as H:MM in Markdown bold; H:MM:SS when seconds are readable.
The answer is **5:29**
